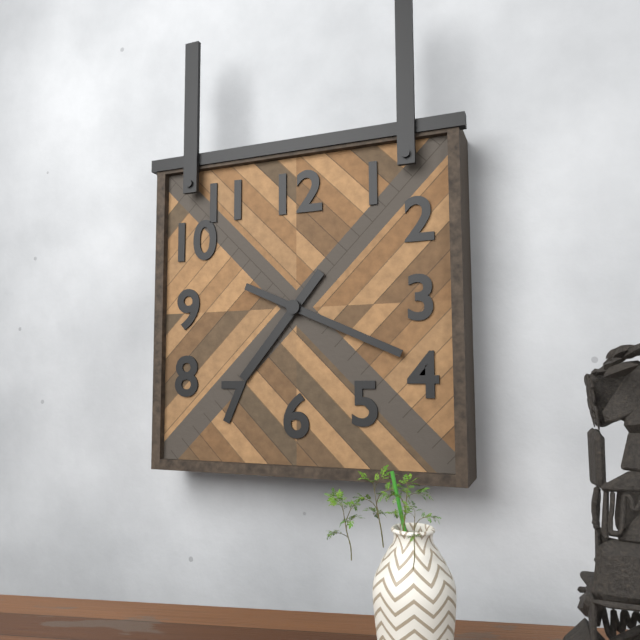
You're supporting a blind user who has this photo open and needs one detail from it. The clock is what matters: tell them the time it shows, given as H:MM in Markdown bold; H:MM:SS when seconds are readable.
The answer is **7:19**
